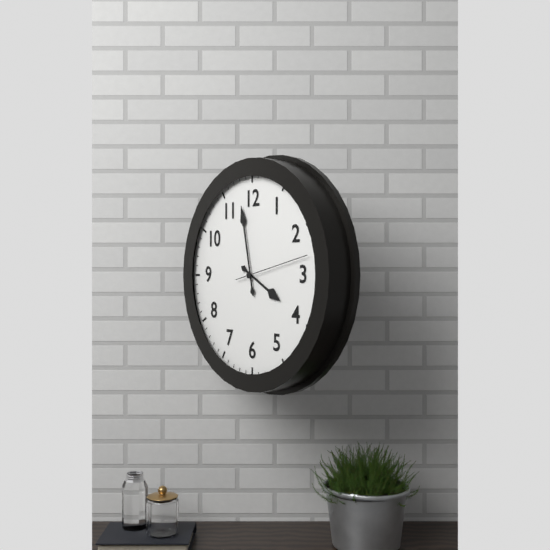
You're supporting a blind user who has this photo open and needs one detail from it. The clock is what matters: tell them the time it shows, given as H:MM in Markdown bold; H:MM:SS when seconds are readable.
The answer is **3:58:13**
